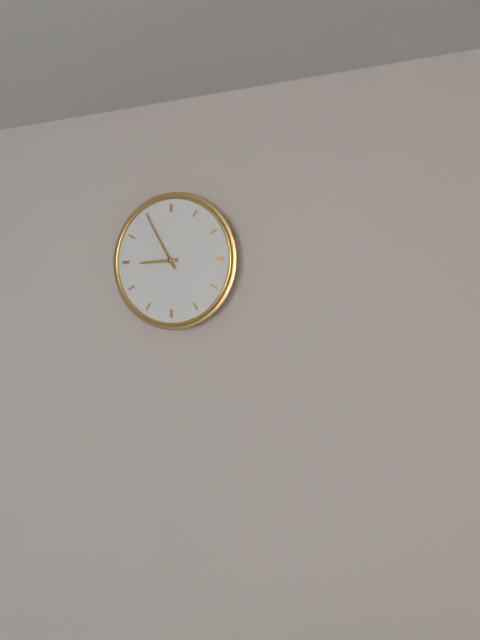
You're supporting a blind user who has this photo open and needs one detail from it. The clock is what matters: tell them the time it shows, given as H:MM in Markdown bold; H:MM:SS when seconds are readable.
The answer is **8:55**
